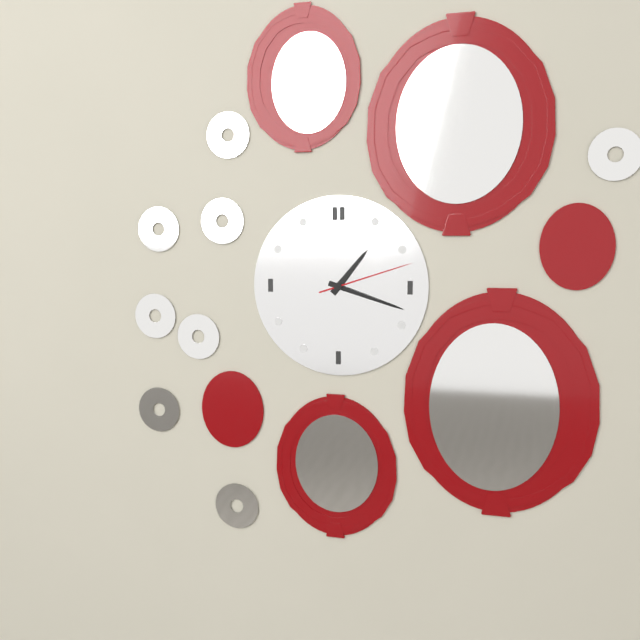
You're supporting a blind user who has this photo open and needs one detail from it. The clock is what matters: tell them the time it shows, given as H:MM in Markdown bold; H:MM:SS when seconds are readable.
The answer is **1:18:12**
